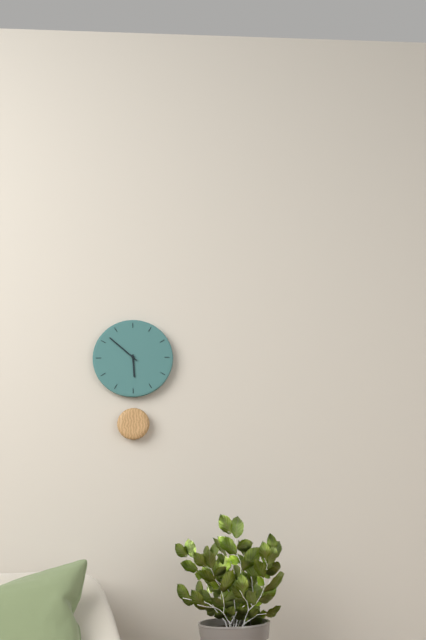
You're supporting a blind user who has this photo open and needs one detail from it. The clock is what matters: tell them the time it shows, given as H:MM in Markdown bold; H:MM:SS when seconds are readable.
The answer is **5:52**
